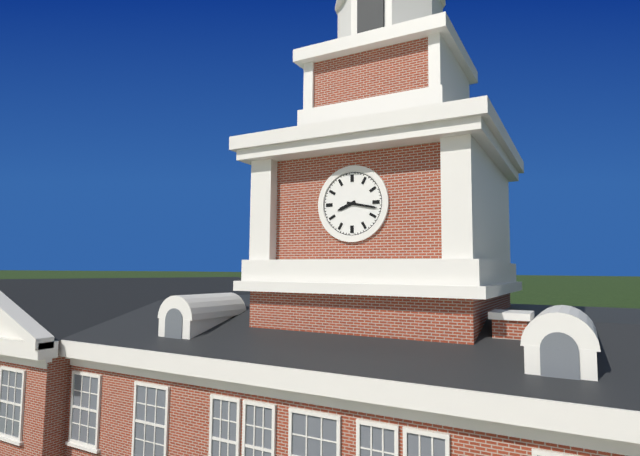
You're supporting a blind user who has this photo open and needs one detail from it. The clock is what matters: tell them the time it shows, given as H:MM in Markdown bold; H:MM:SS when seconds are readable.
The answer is **8:17**
